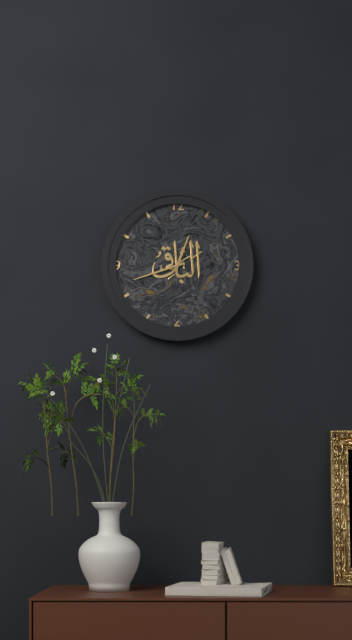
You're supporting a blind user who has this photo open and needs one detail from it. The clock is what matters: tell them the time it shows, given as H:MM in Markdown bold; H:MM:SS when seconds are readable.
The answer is **12:42**
